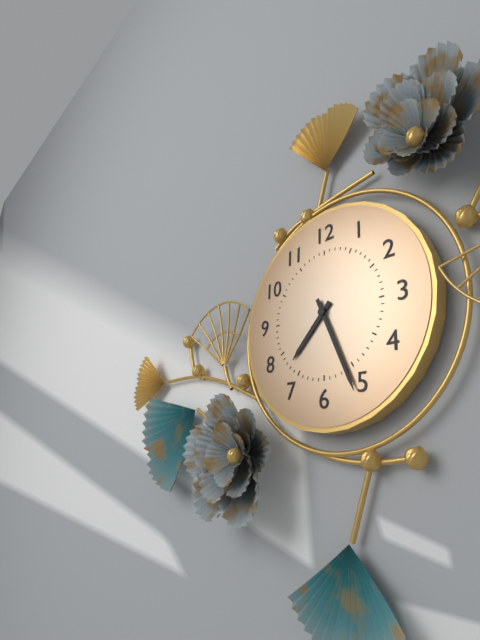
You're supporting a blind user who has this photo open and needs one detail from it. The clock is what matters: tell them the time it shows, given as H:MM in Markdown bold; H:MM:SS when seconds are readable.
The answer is **7:26**
